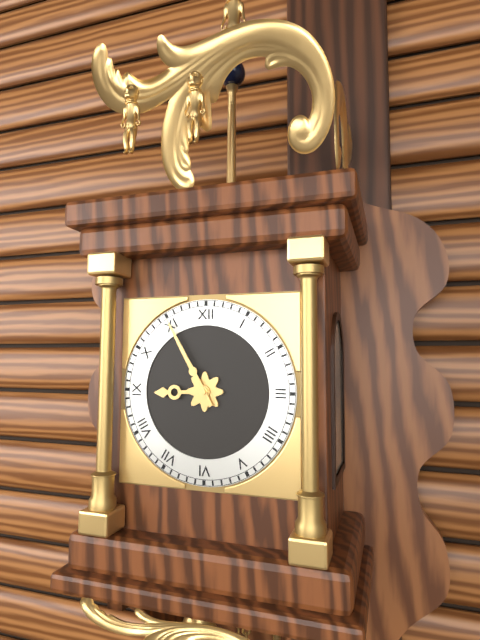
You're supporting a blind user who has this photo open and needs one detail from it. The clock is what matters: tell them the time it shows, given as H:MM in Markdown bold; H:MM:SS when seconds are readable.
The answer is **8:55**
